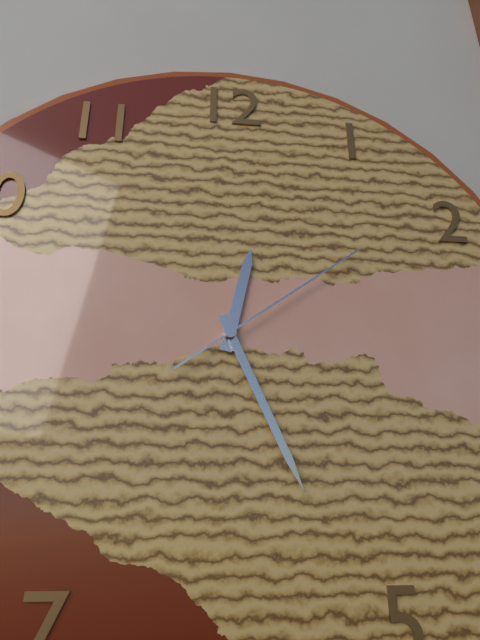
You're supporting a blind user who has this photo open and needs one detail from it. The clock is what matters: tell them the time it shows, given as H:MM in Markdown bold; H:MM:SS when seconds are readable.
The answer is **12:26:09**
